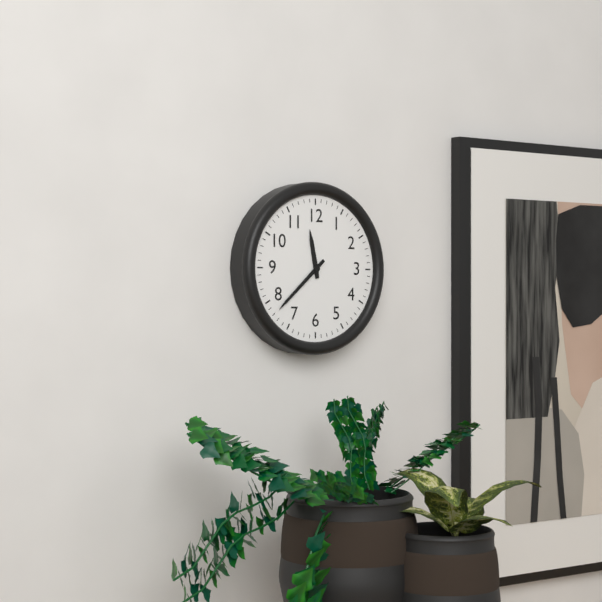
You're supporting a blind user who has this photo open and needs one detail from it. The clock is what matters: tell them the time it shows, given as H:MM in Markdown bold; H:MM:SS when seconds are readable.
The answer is **11:38**
